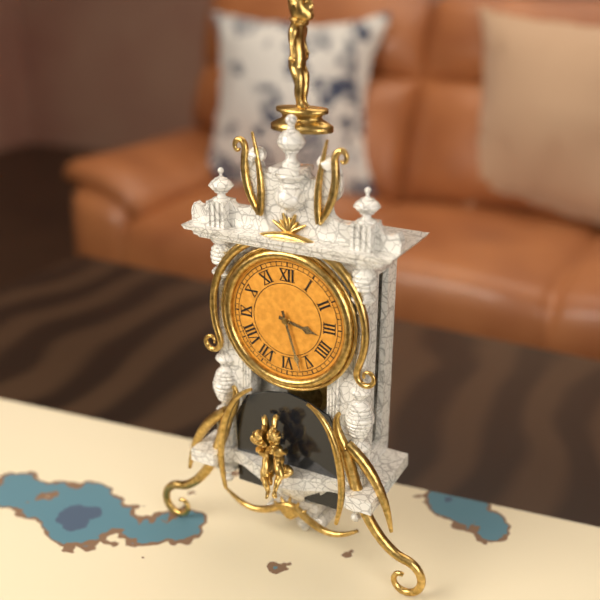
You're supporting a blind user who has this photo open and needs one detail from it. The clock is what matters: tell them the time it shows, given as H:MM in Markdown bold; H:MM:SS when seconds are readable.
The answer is **3:27**
